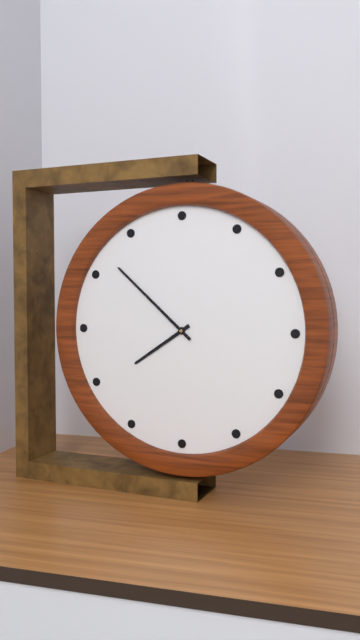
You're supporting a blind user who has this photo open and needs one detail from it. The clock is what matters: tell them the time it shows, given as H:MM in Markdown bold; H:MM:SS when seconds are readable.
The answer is **7:52**
